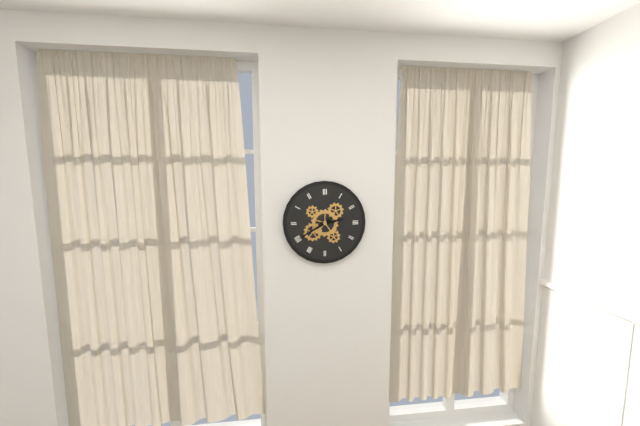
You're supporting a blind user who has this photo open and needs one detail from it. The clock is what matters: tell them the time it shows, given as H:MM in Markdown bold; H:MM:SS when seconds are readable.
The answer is **2:40**
